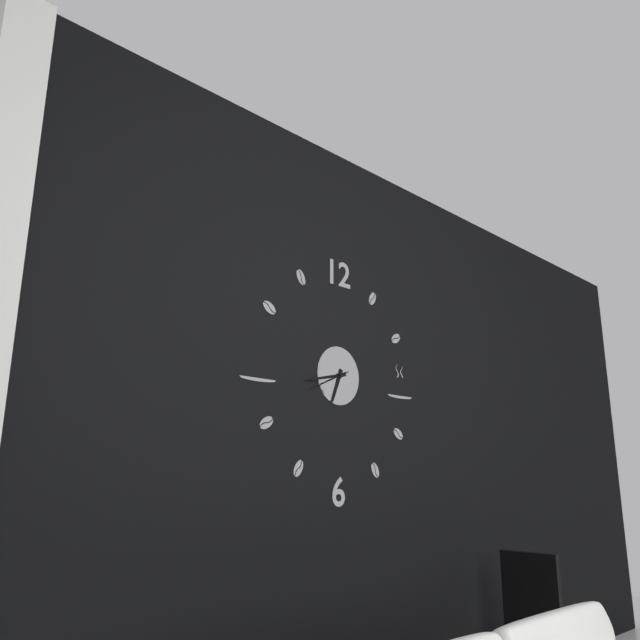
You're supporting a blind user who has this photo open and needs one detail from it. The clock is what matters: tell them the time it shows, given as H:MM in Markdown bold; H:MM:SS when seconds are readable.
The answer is **6:43**
